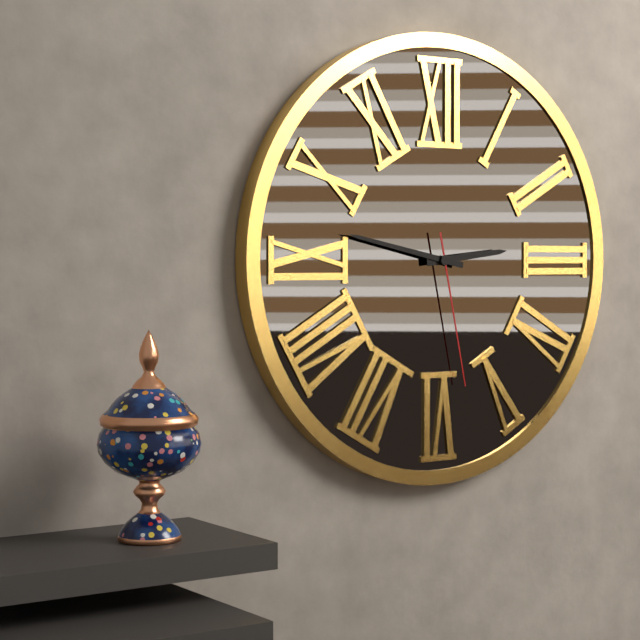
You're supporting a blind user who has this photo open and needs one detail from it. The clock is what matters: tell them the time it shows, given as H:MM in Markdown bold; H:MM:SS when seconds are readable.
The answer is **2:47:28**
